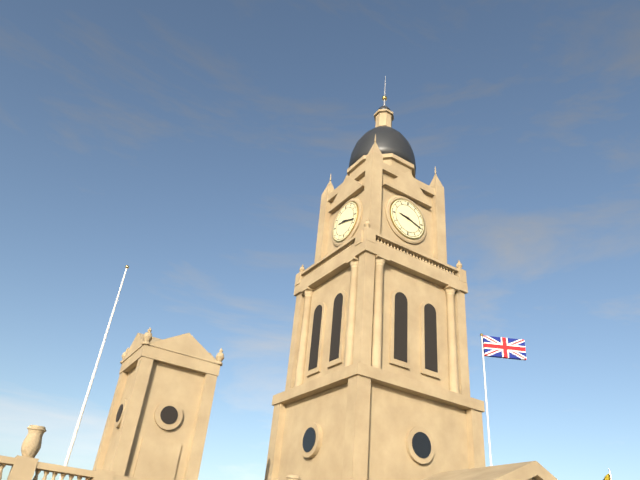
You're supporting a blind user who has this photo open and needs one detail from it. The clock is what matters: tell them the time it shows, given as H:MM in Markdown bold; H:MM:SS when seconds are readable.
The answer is **9:18**
